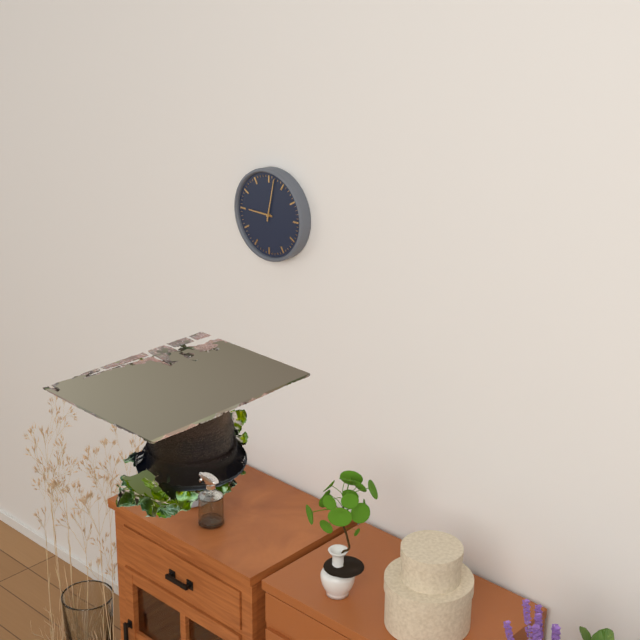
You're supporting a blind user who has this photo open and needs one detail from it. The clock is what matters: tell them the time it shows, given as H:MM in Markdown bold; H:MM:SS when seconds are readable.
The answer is **9:02**
